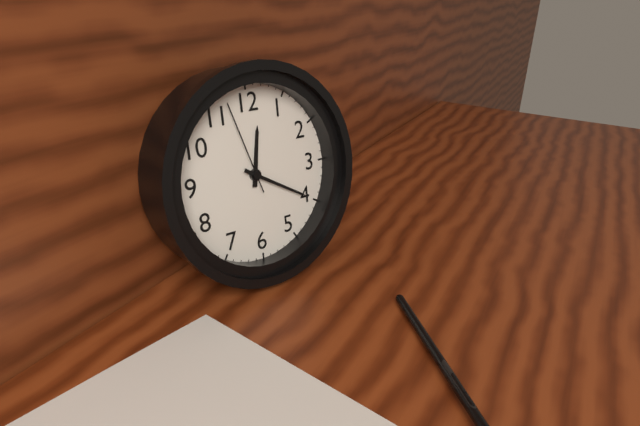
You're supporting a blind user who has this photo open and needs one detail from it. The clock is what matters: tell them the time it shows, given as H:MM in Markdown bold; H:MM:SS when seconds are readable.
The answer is **12:20:57**
